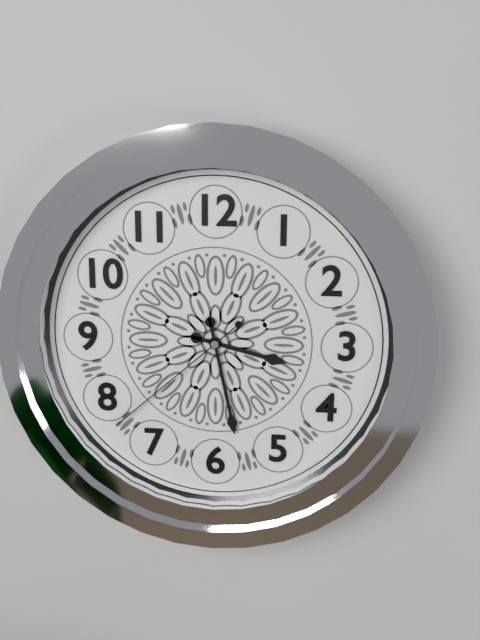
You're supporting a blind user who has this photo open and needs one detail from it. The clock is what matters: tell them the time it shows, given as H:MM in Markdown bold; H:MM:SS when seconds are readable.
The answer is **3:28:38**
